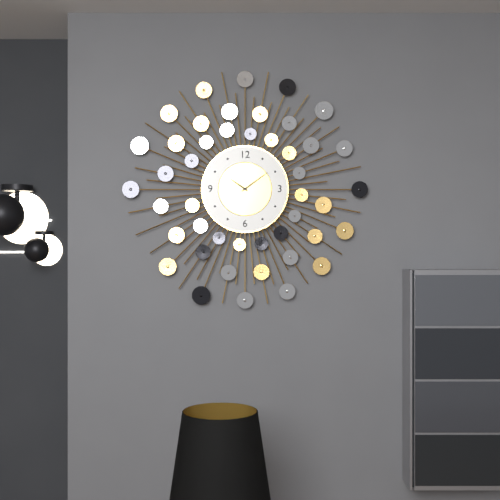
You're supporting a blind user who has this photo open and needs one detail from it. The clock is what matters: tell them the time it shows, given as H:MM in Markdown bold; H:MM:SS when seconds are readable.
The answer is **10:09**
